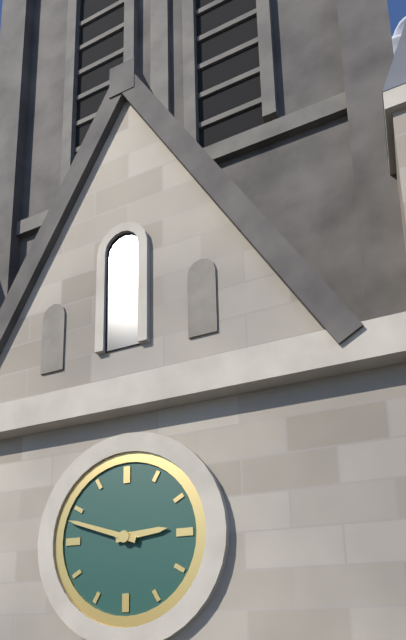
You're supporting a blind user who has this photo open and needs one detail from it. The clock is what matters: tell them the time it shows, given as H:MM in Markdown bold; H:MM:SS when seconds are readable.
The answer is **2:48**
